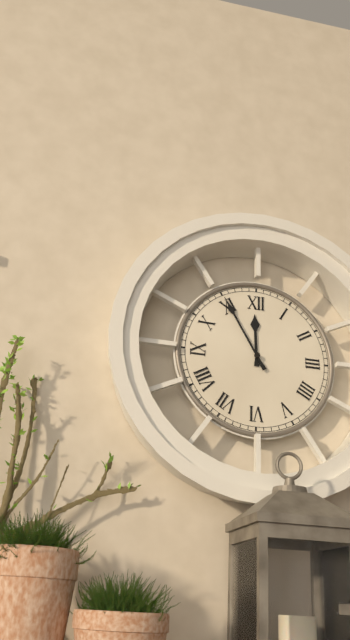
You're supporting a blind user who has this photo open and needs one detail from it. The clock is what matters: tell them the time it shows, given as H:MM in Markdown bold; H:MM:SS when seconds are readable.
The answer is **11:55**
